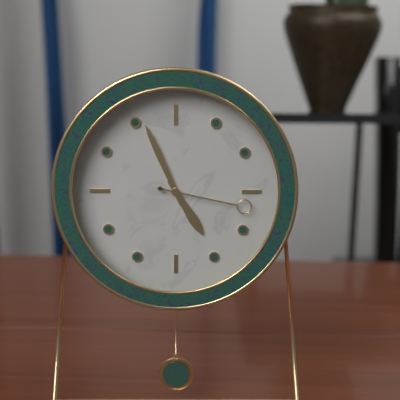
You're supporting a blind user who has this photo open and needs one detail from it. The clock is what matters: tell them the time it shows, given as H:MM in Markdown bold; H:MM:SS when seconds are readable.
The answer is **4:56:17**
